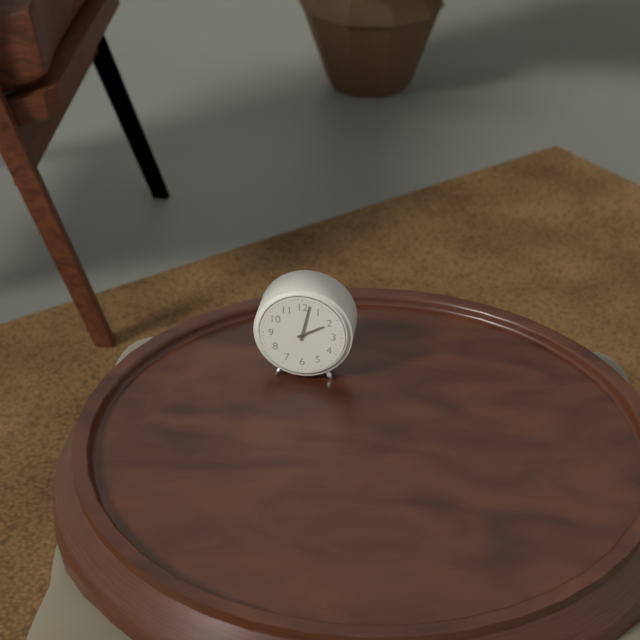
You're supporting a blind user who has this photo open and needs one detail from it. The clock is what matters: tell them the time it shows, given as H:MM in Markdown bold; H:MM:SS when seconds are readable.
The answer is **2:02**
